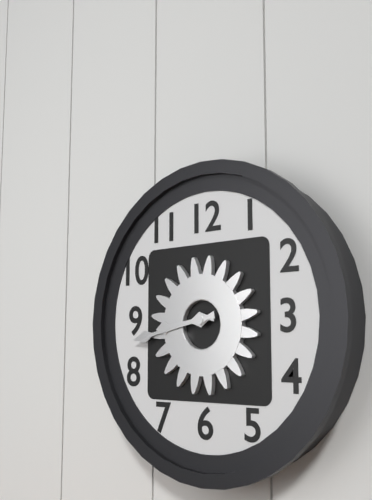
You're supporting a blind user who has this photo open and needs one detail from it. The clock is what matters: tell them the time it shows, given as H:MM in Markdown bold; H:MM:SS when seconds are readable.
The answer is **8:43**
